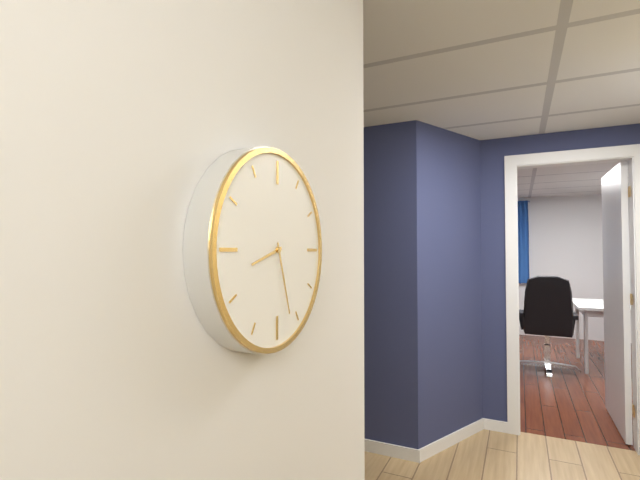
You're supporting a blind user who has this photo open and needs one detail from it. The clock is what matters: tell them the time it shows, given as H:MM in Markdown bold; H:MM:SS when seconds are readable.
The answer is **8:27**
